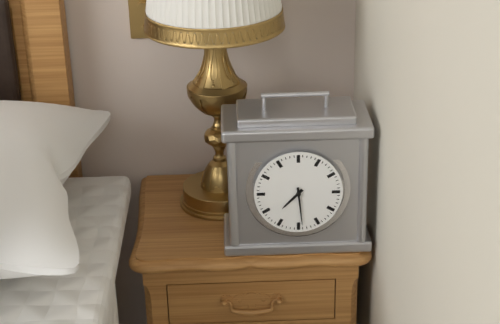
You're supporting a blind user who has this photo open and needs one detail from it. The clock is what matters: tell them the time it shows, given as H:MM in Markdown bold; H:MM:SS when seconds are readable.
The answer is **7:29**
